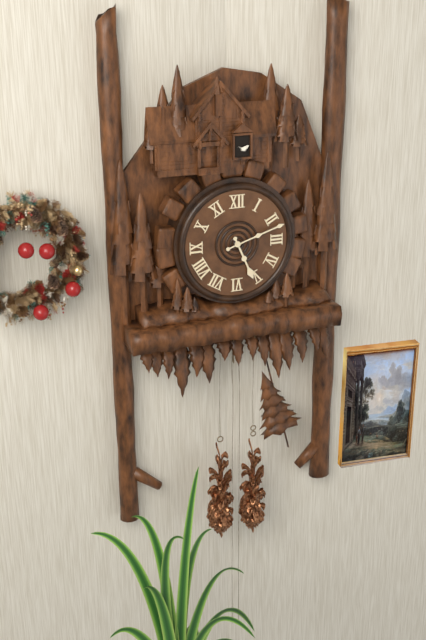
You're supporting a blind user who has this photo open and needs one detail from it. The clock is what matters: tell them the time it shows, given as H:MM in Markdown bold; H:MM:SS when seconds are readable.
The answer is **5:12**
